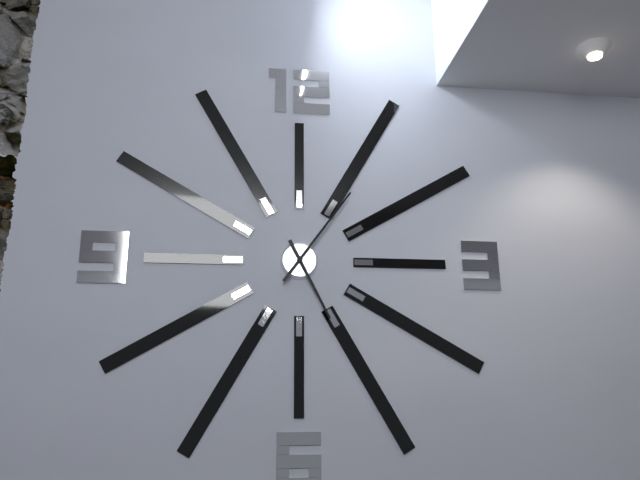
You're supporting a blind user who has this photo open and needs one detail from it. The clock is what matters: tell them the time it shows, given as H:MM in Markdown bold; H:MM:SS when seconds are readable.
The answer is **5:06**
